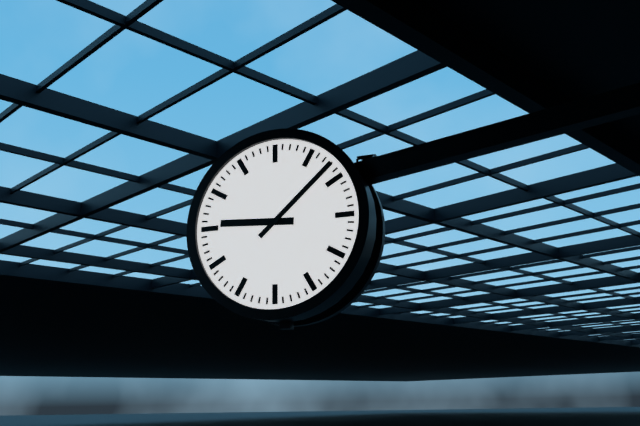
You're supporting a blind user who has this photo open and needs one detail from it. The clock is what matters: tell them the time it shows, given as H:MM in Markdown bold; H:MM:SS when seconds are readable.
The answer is **9:08**
